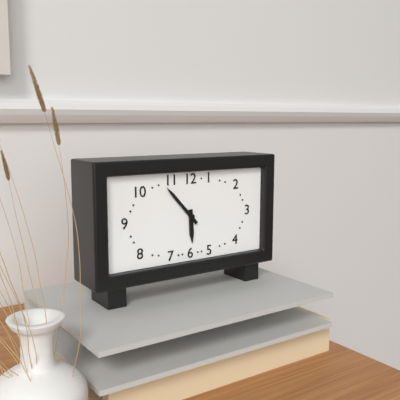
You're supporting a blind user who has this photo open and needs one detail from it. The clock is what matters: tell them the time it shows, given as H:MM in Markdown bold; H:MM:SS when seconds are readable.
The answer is **5:53**
